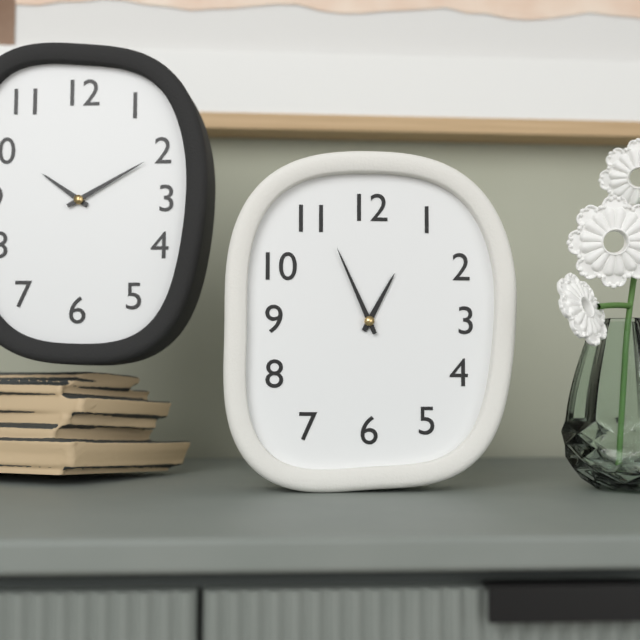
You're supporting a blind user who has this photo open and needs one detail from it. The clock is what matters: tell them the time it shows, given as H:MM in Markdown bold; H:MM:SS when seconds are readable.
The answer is **12:56**
